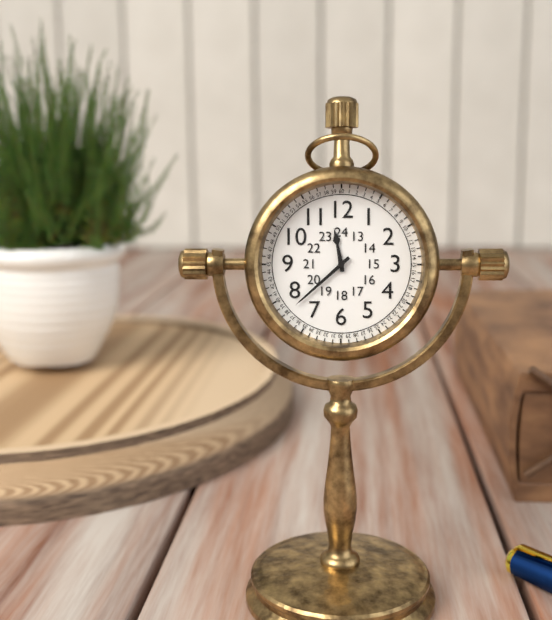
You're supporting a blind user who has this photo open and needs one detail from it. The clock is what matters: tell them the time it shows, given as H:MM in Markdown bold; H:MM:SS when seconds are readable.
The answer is **11:38**
